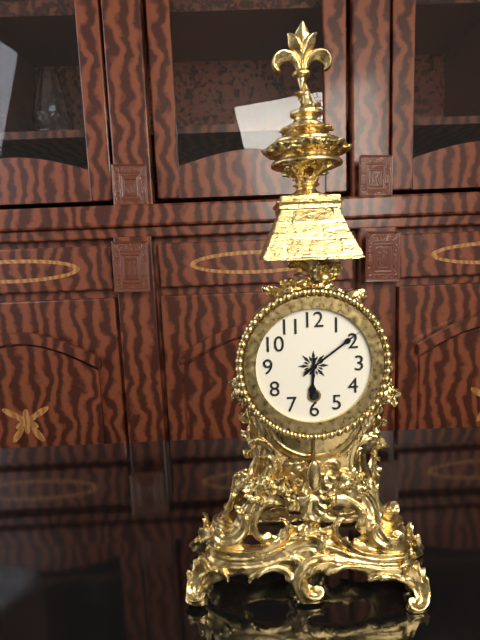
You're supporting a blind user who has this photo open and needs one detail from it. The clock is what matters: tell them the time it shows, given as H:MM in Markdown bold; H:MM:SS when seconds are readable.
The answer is **6:09**
